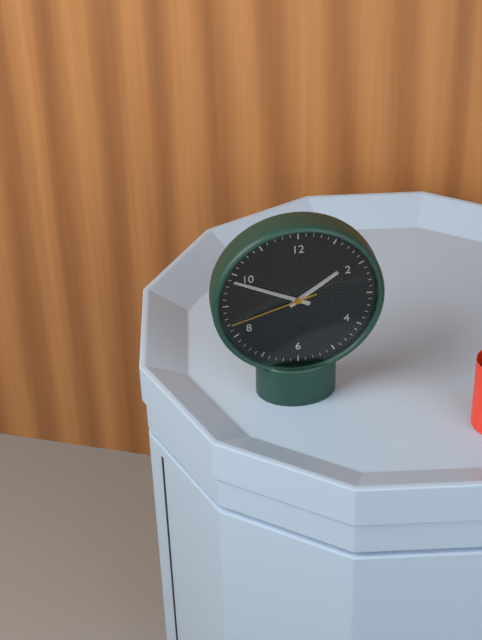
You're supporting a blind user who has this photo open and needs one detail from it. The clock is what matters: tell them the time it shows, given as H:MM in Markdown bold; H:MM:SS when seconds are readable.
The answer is **1:49:42**
